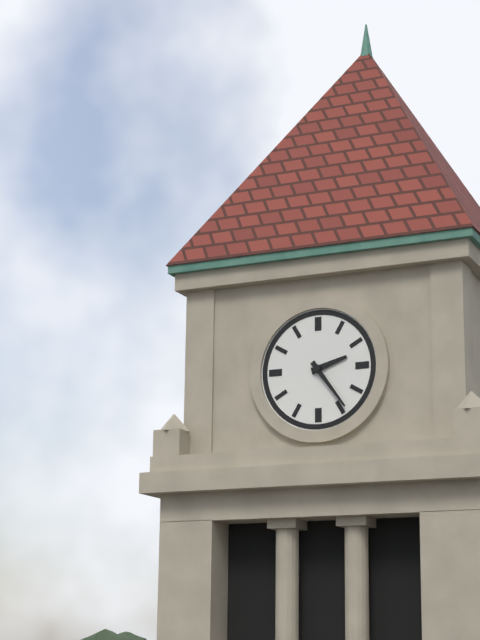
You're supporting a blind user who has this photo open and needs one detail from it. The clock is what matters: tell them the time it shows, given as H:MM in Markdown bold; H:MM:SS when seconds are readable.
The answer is **2:24**
